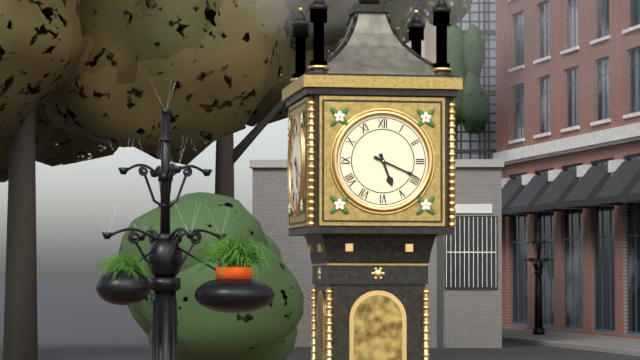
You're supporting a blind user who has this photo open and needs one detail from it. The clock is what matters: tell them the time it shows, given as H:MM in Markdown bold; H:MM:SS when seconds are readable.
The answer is **5:19**
